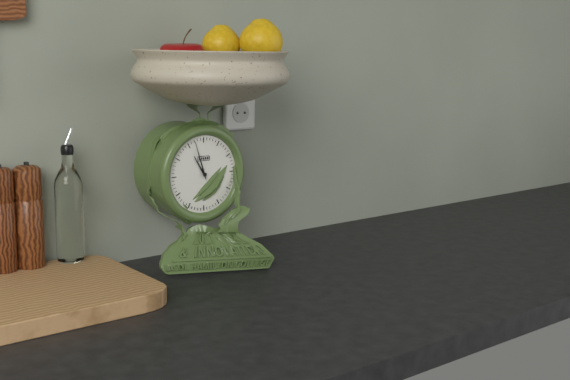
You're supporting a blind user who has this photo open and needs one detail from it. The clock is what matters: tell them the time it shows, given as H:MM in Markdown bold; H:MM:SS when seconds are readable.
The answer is **10:57**
